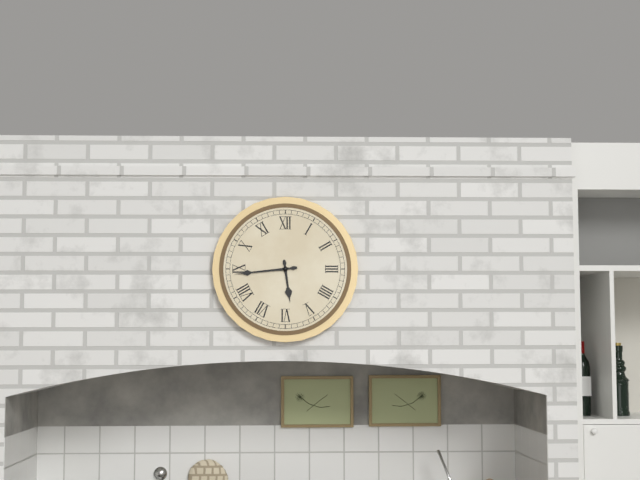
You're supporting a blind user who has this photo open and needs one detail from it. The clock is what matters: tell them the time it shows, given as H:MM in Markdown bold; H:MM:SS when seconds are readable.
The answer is **5:44**
